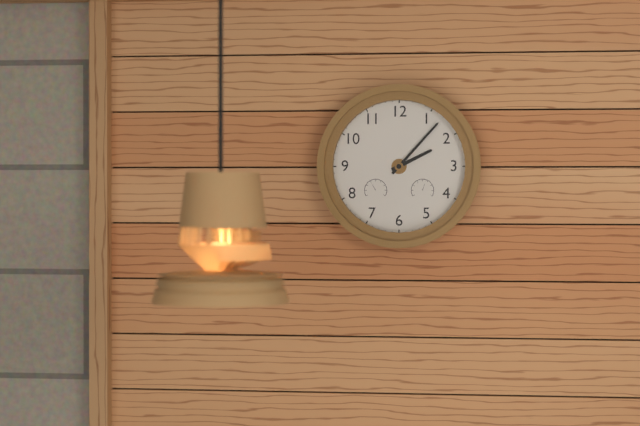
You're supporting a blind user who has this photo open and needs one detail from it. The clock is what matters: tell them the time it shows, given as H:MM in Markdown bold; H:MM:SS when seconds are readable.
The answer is **2:07**
